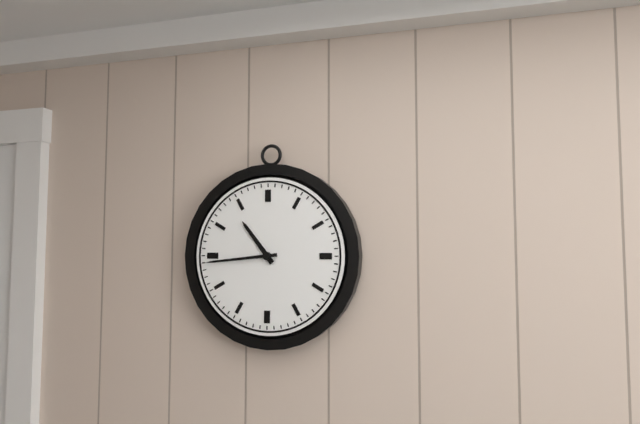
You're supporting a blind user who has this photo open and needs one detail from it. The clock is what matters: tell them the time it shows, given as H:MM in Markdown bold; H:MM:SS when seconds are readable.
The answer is **10:44**
